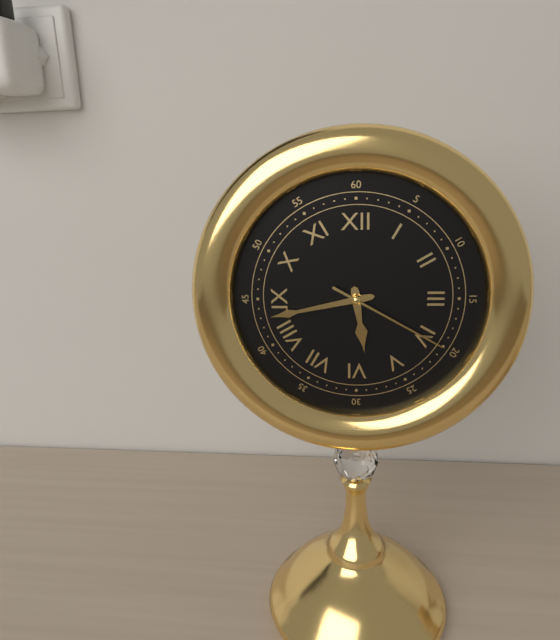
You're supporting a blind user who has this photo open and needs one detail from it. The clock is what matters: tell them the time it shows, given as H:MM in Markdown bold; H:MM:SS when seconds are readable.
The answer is **5:43:20**
